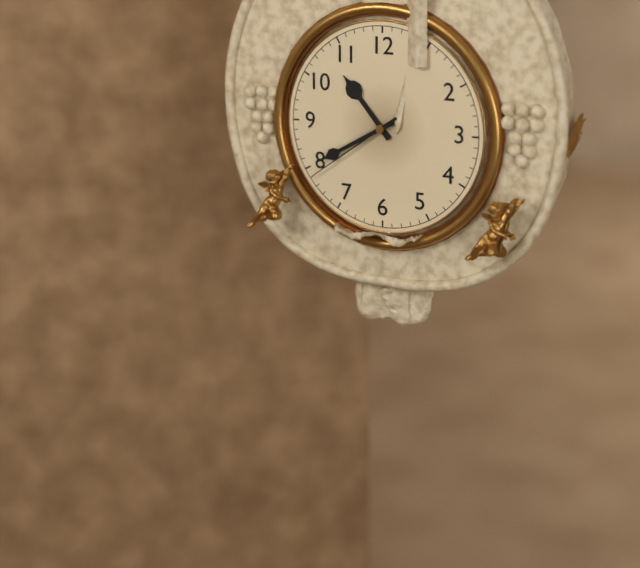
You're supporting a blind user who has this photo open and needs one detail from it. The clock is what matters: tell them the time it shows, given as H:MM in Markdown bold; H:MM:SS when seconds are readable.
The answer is **10:40:39**
